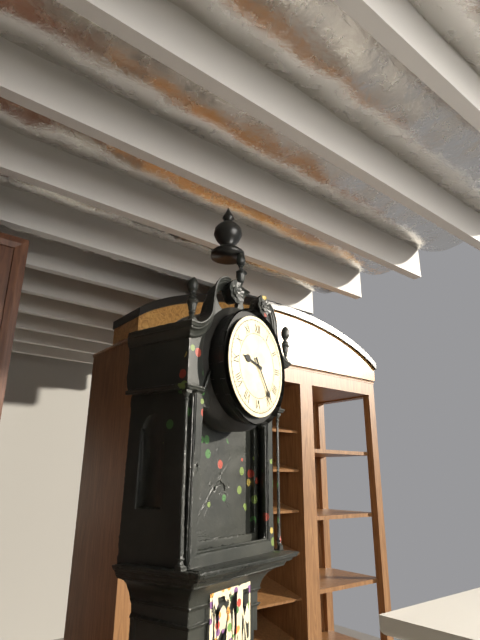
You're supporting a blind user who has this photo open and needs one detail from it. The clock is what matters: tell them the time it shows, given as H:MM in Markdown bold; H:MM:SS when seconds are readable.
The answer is **9:24**
